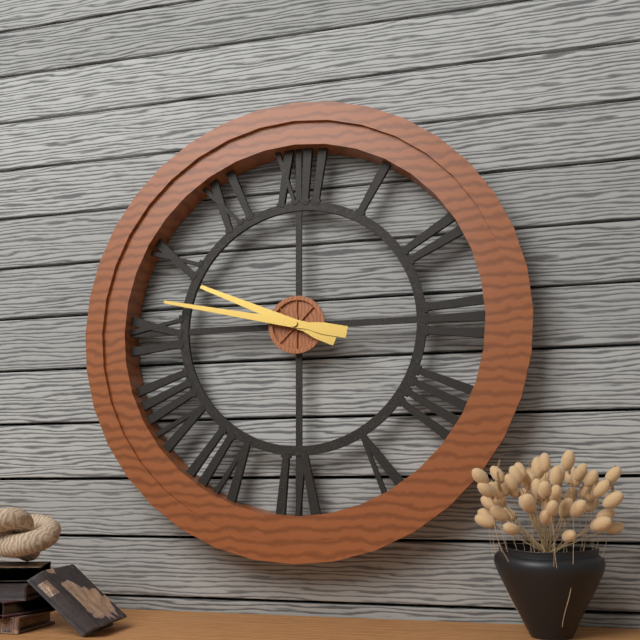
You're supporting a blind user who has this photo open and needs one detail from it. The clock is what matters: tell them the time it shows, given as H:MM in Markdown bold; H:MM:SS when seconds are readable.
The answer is **9:47**
